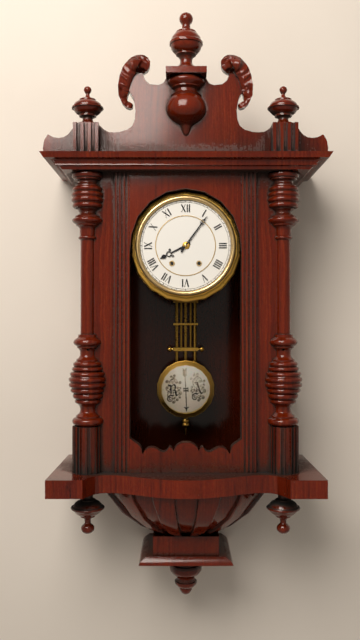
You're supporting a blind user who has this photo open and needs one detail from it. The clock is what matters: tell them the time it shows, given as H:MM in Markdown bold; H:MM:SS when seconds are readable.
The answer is **8:06**
